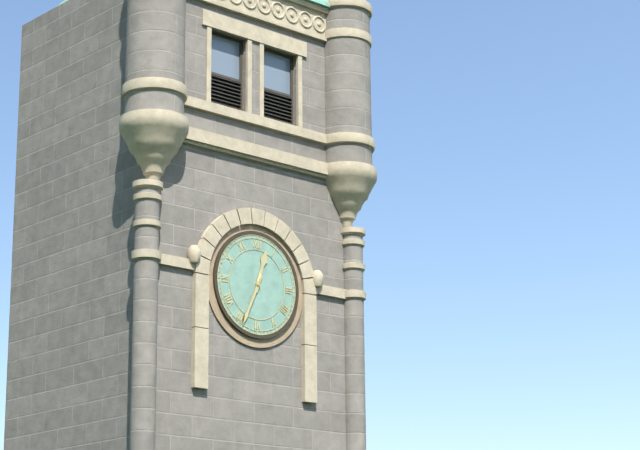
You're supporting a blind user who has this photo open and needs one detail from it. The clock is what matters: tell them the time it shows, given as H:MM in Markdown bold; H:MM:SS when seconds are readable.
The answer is **12:34**
